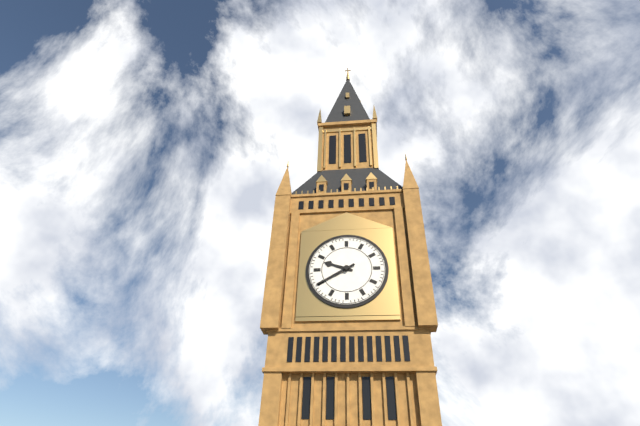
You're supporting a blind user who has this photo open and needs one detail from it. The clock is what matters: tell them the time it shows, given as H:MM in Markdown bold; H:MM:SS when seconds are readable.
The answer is **9:40**
